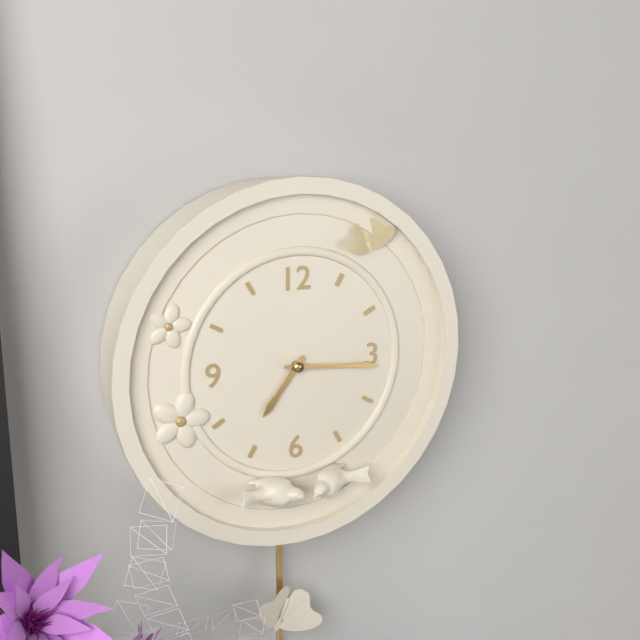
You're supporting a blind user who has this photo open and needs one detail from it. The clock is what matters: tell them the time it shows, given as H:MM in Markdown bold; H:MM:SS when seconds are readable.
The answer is **7:16**
